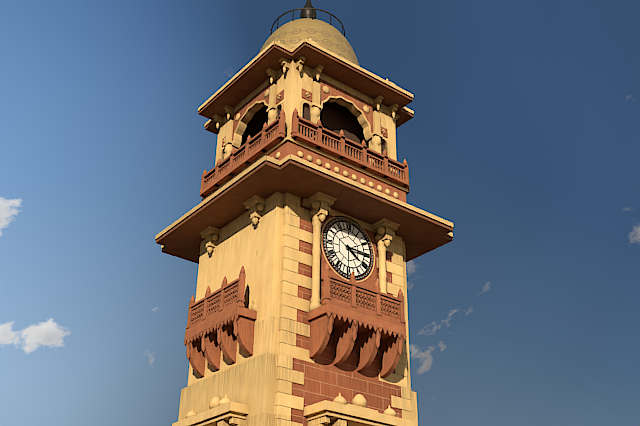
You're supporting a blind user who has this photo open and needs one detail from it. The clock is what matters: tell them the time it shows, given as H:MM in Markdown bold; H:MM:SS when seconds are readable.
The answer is **4:15**
